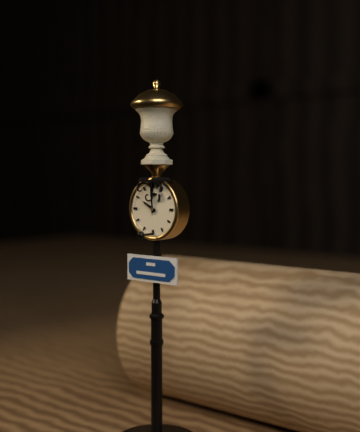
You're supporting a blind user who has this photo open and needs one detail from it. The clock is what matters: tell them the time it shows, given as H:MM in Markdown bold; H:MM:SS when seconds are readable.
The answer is **9:59**
